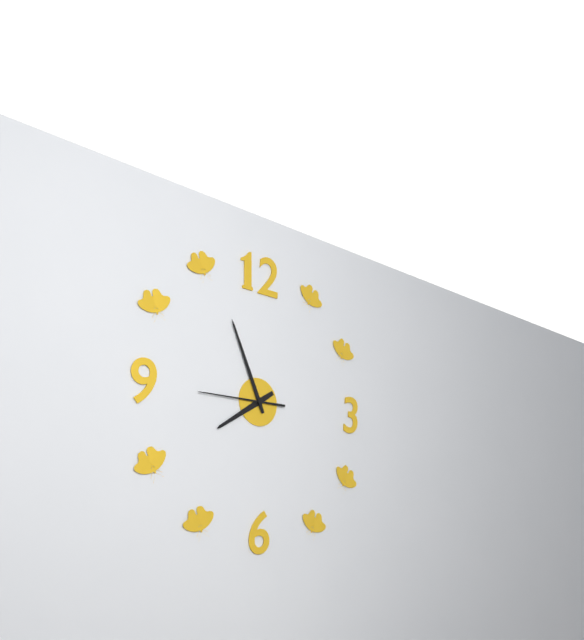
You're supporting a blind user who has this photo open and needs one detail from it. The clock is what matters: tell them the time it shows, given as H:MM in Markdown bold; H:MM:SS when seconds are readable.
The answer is **7:56:45**
